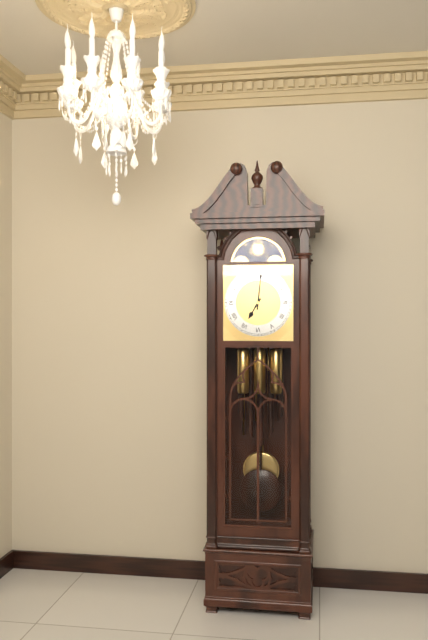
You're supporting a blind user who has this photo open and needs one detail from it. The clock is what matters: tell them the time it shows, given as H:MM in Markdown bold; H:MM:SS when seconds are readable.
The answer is **7:01**
